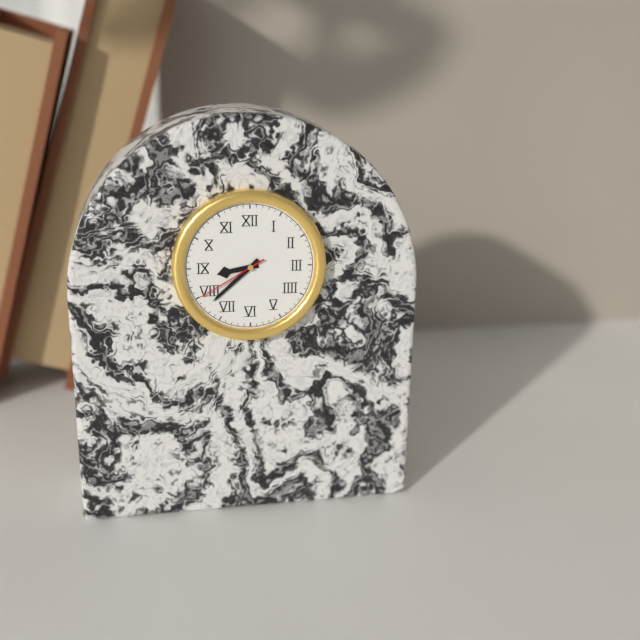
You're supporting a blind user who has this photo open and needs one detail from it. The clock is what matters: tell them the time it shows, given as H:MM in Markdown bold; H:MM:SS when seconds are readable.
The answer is **8:38:40**
